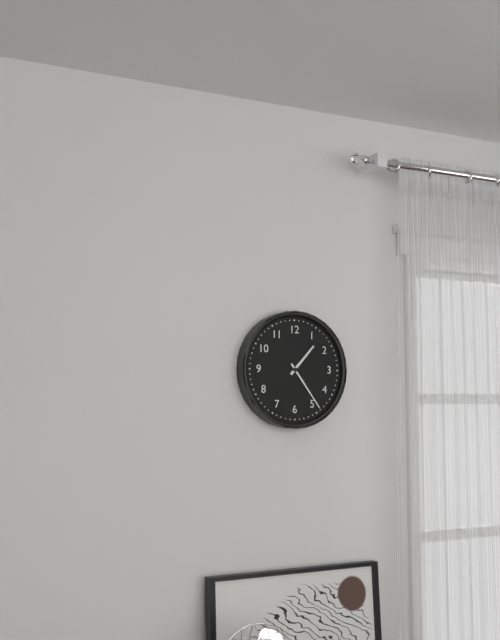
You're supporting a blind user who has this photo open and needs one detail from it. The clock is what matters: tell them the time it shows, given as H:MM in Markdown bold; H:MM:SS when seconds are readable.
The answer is **1:24**
